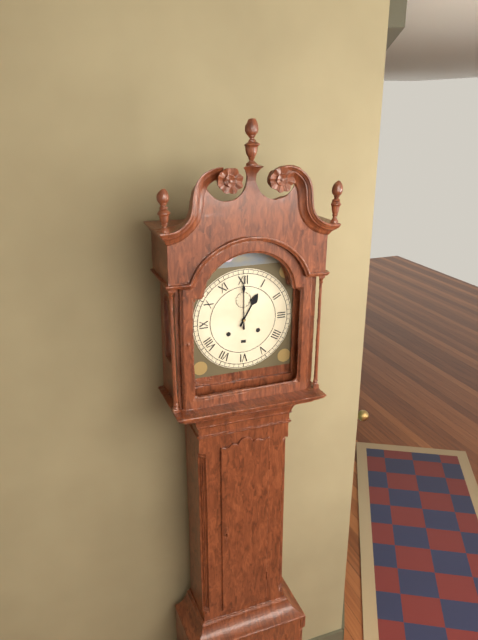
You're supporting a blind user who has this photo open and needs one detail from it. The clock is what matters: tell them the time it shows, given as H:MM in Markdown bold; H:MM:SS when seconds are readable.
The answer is **1:00**
